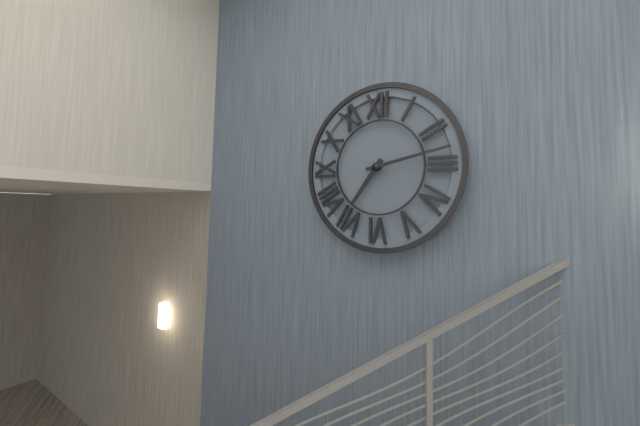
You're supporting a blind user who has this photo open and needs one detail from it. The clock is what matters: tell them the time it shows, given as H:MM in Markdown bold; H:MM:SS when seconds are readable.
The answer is **7:13**
